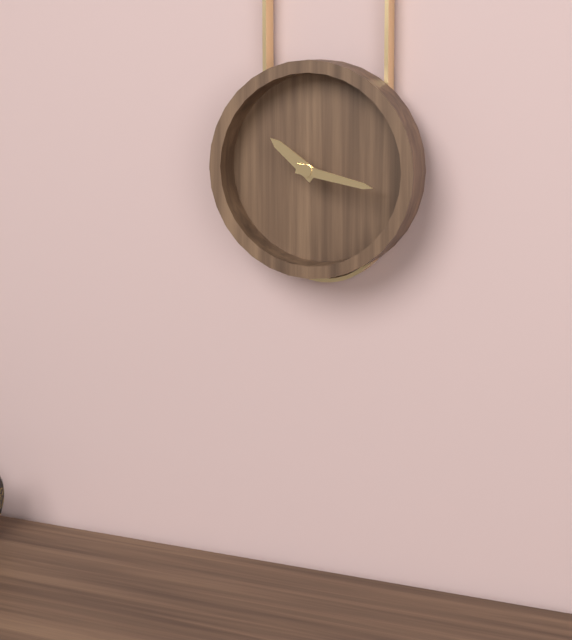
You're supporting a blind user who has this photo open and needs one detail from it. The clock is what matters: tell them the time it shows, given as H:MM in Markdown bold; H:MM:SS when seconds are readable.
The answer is **10:17**
